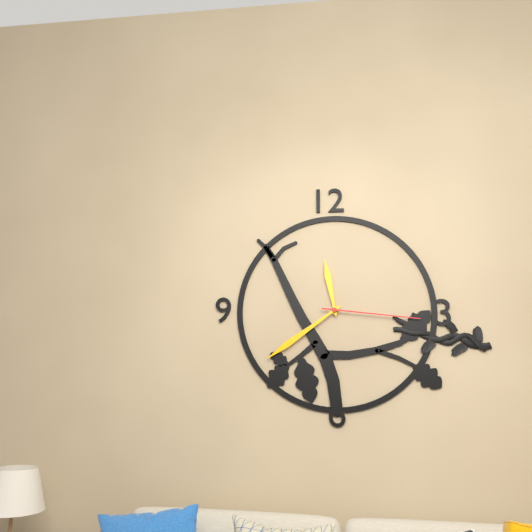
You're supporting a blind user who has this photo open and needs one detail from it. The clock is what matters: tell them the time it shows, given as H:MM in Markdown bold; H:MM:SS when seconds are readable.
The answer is **11:39:16**
